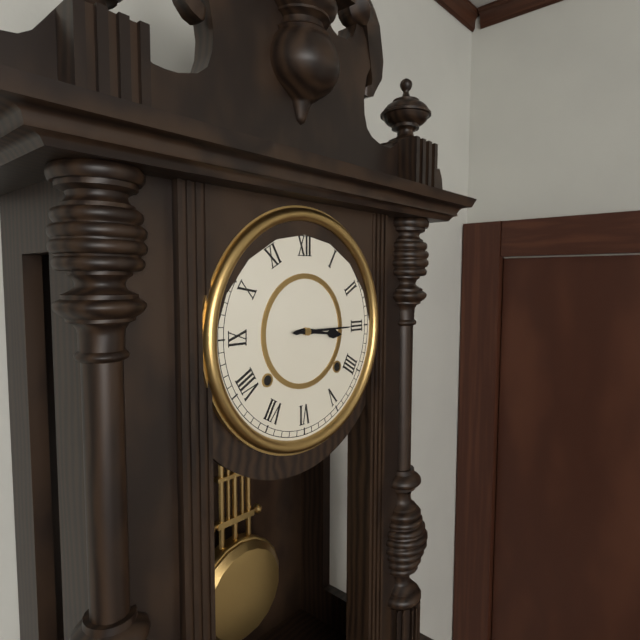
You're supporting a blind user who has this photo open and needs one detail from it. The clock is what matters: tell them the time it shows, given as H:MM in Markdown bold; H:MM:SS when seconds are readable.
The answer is **3:15**
